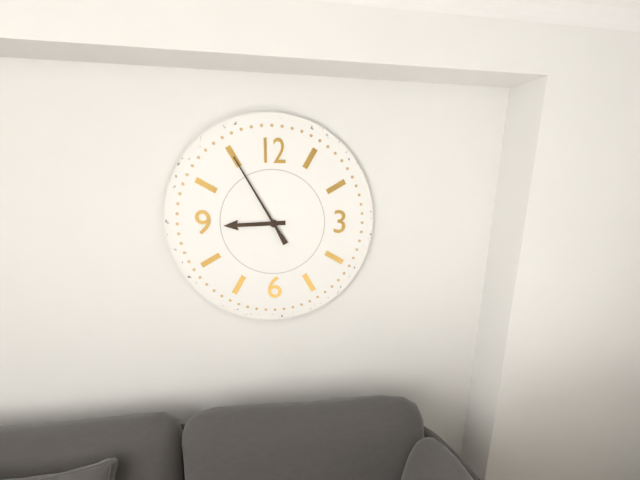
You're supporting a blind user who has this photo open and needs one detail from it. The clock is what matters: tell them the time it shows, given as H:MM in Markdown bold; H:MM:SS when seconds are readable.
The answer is **8:55**
